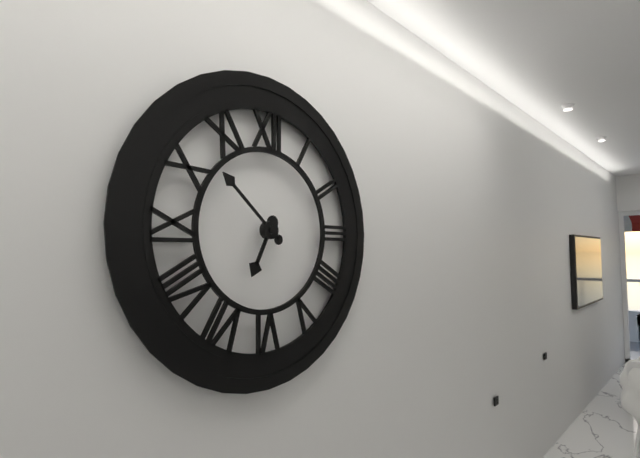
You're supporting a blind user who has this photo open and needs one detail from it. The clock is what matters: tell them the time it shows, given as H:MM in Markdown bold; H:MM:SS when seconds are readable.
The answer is **6:52**
